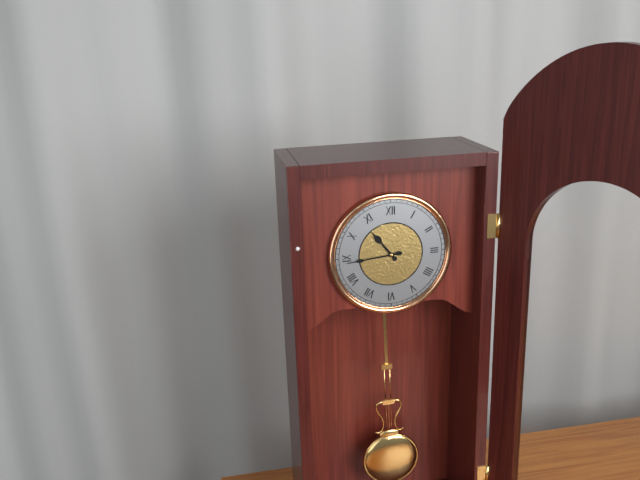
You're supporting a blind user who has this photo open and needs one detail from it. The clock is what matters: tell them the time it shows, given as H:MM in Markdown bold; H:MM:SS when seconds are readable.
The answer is **10:44**
